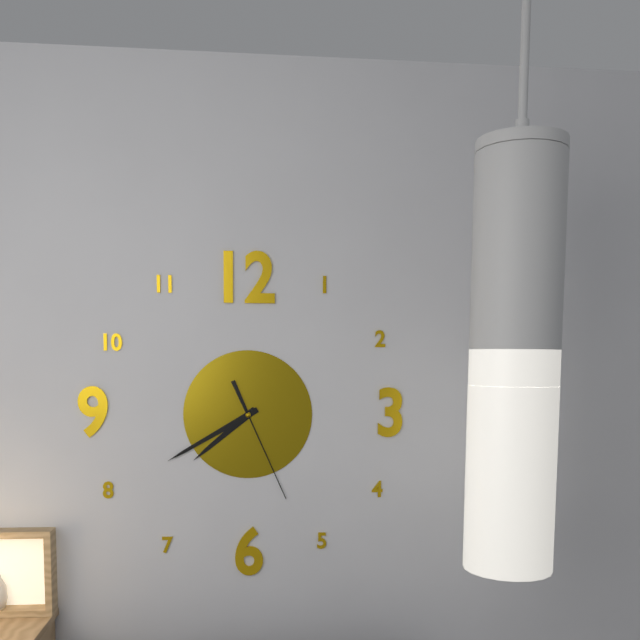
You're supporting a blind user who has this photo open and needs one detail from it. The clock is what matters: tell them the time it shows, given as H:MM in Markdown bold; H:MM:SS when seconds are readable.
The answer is **7:40:26**
